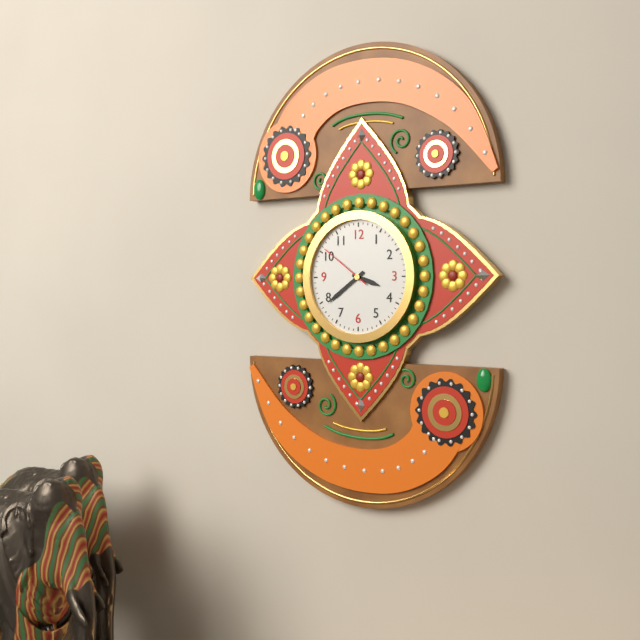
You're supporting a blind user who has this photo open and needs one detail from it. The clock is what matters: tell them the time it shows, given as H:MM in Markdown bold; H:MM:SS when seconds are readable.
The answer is **3:39:51**
